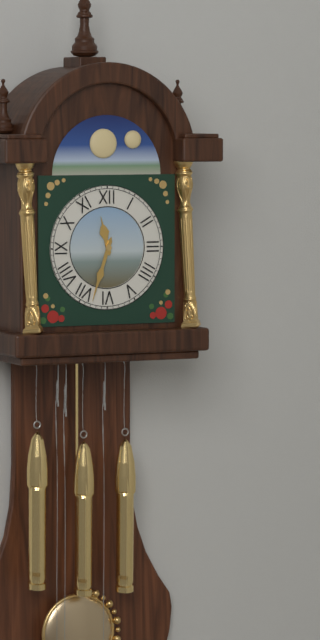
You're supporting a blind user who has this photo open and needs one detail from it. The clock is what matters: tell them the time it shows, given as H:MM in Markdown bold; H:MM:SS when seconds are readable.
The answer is **11:33**
